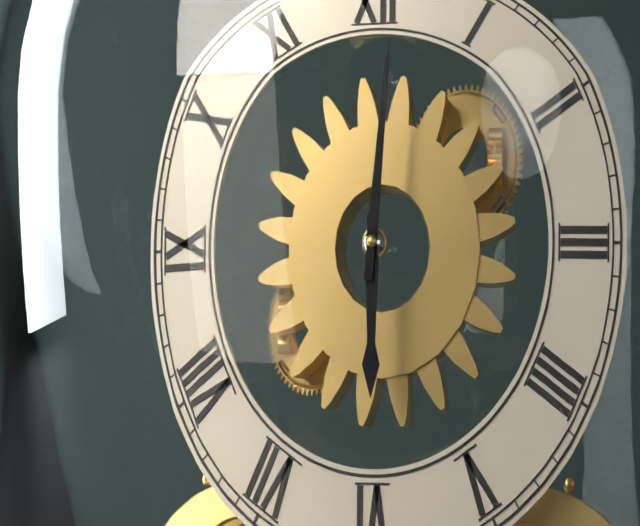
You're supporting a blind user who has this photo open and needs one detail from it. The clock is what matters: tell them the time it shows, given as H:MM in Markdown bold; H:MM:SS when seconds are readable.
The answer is **6:01**
